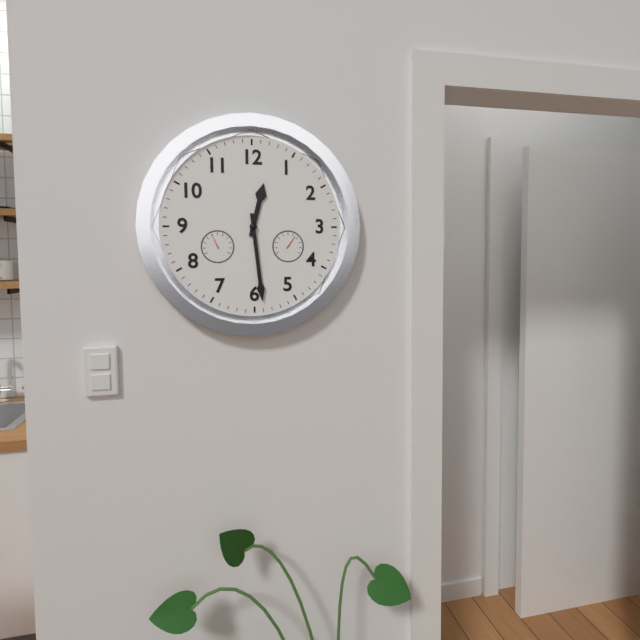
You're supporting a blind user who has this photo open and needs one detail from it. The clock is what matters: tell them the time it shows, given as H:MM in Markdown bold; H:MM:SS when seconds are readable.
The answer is **12:29**
